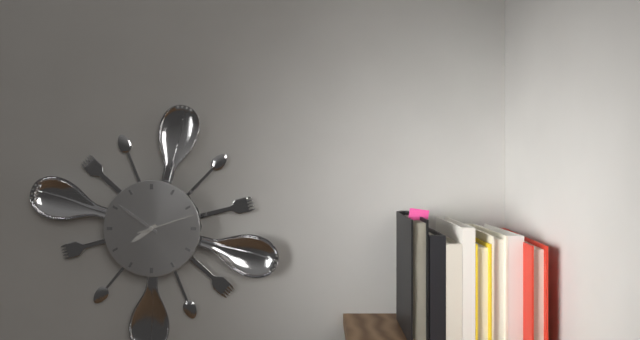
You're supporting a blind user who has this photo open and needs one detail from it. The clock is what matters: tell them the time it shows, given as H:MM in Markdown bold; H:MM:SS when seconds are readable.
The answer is **7:51:12**
